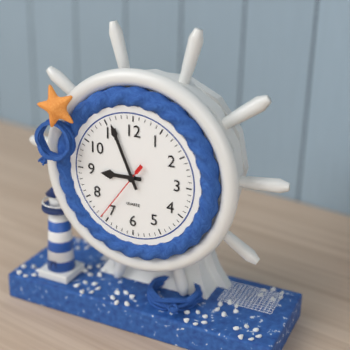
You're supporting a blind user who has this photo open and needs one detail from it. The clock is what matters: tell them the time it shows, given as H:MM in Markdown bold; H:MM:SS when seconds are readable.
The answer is **8:56:36**
